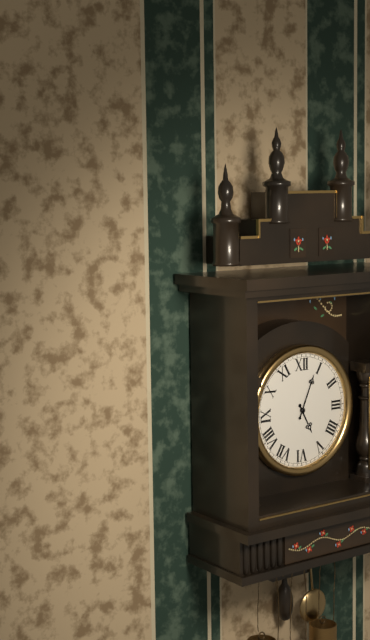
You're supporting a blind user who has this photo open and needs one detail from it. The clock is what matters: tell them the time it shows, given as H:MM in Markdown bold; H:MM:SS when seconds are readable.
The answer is **5:04**
